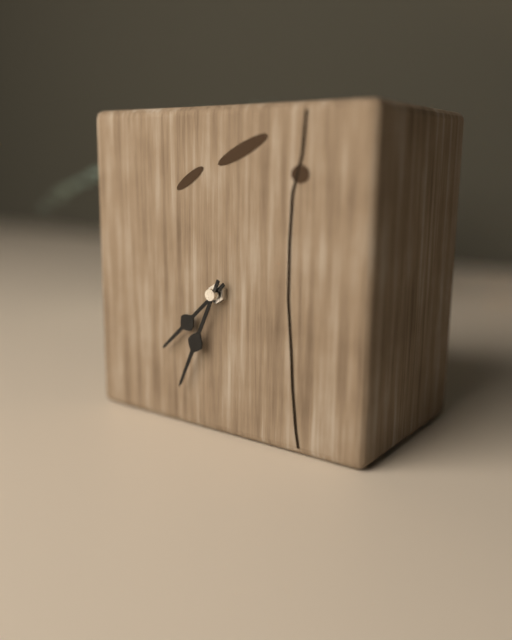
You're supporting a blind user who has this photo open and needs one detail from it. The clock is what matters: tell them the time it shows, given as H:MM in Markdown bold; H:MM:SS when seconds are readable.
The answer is **7:34**
